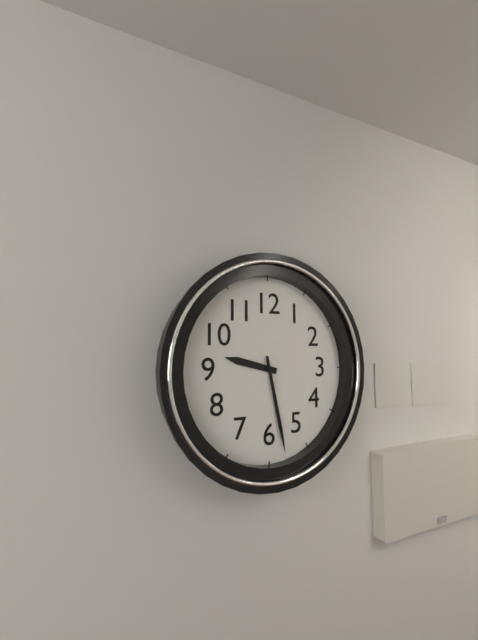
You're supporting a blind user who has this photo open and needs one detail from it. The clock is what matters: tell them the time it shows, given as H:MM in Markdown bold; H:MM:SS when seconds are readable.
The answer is **9:28**
